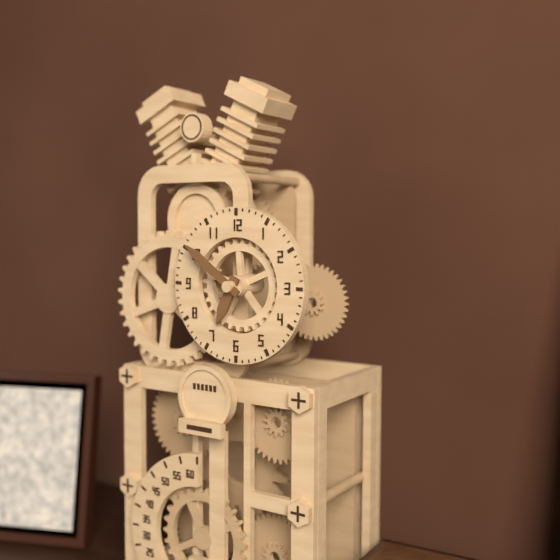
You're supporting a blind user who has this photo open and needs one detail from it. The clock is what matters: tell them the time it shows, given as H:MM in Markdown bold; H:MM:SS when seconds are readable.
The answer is **6:51**
